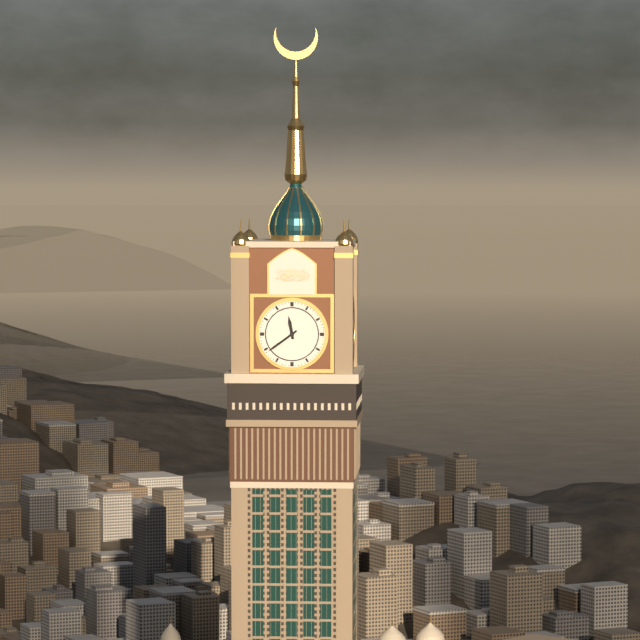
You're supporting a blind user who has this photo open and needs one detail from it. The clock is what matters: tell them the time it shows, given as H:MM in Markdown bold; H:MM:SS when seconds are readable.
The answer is **11:39**
